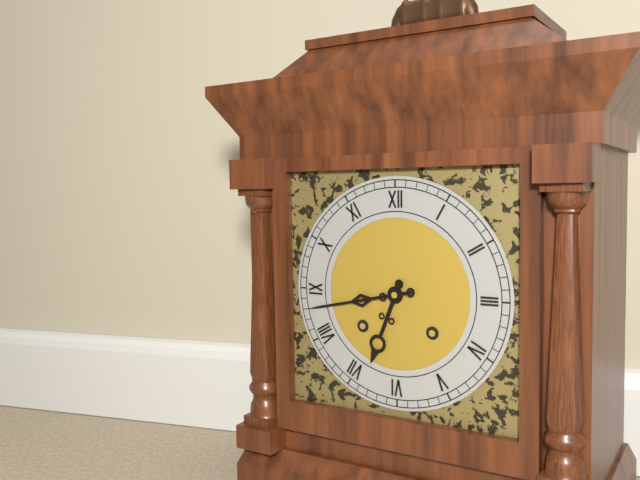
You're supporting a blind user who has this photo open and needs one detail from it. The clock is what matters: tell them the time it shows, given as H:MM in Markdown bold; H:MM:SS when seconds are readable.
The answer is **6:43**
